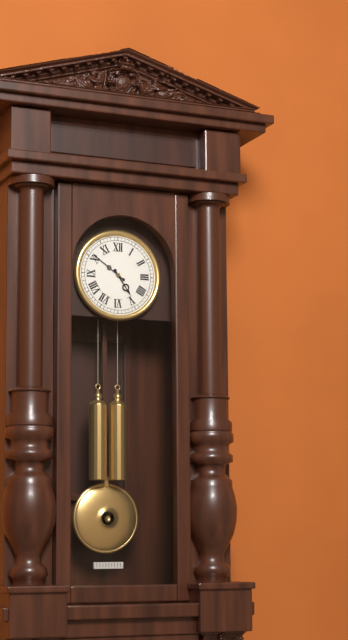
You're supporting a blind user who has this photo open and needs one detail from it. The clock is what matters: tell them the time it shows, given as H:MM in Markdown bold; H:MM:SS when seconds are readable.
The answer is **4:51**
